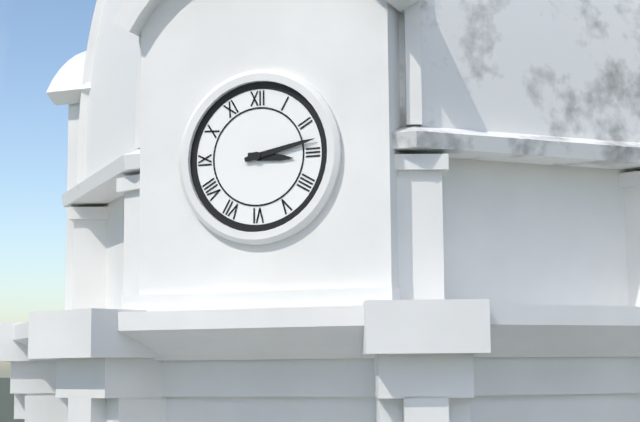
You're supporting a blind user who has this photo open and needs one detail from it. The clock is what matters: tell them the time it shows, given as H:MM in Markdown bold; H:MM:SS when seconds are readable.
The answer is **3:13**
